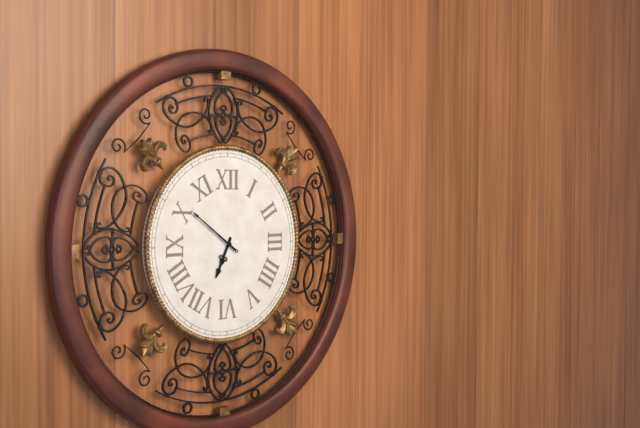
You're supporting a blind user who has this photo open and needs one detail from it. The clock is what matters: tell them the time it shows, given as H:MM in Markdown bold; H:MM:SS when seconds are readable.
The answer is **6:51**
